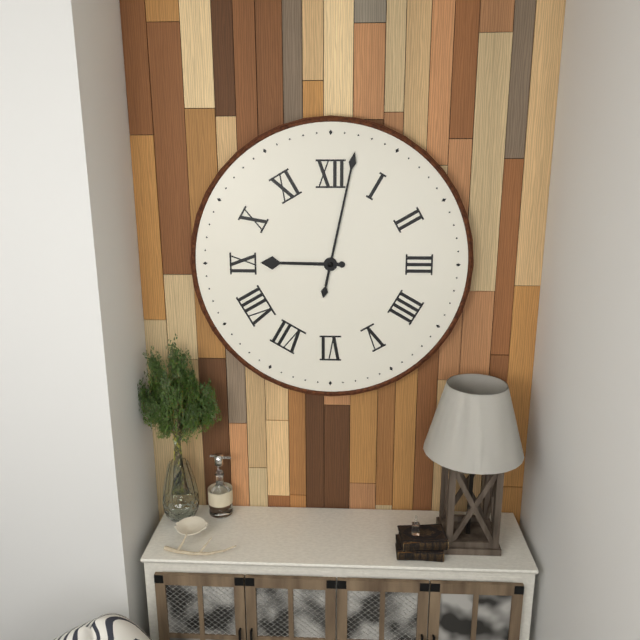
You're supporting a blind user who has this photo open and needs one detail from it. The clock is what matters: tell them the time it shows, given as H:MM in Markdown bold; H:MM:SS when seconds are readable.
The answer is **9:02**
